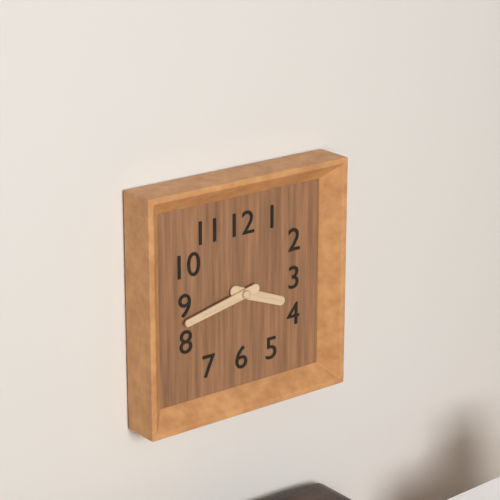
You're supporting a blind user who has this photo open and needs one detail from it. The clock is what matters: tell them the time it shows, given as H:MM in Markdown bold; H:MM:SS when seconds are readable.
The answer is **3:43**
